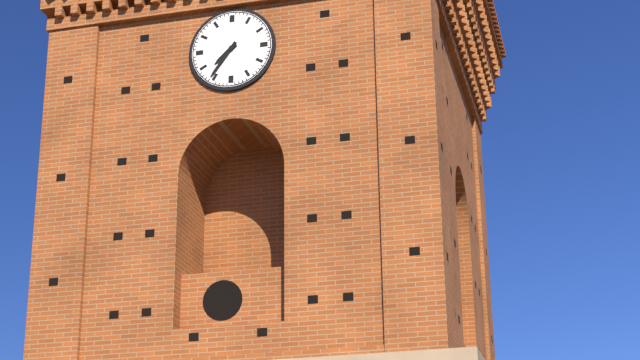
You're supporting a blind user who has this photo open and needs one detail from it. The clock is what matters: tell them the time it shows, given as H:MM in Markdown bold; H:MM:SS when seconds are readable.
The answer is **7:36**
